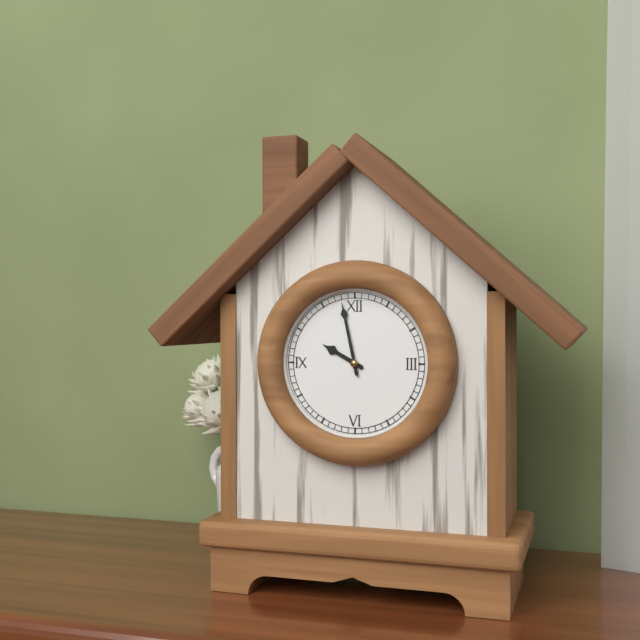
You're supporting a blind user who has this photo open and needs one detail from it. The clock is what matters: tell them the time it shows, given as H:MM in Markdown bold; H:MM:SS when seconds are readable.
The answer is **9:58**
